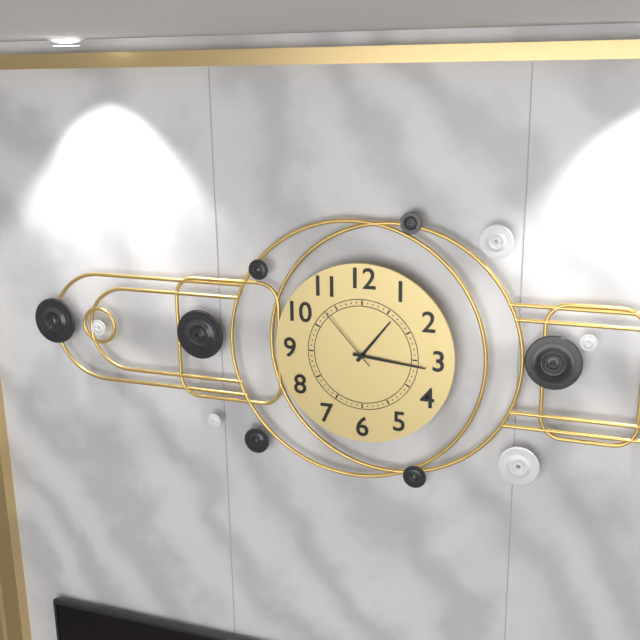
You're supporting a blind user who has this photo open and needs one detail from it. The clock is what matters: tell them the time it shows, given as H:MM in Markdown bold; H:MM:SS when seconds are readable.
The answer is **1:16:53**
